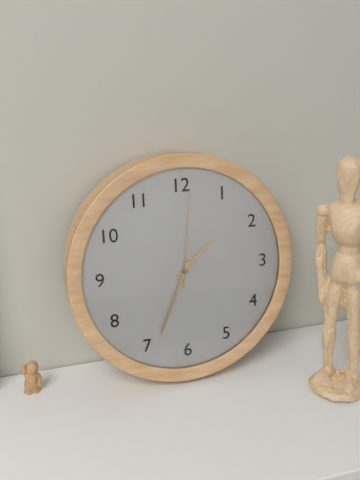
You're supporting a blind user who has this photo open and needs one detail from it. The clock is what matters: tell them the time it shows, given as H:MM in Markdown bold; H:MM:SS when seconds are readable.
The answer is **1:34:01**
